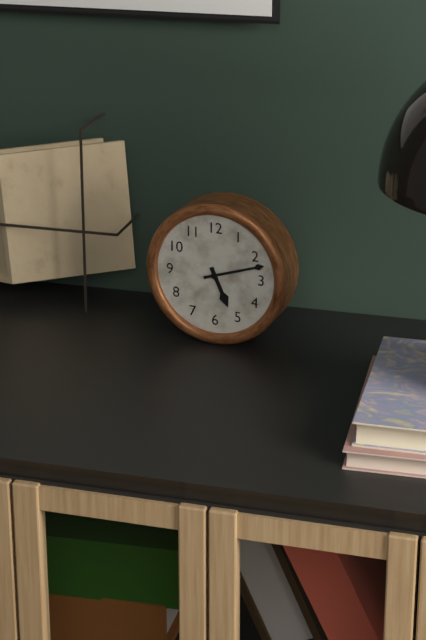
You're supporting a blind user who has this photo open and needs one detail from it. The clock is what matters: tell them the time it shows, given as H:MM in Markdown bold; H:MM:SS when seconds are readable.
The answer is **5:12**
